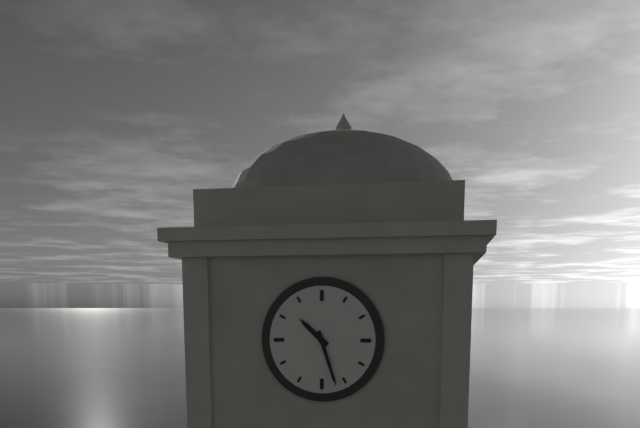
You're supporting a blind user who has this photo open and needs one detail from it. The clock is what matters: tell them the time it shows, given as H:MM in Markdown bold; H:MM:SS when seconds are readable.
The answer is **10:27**
